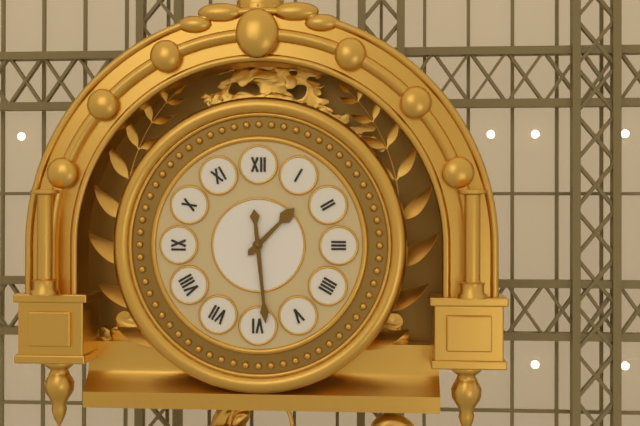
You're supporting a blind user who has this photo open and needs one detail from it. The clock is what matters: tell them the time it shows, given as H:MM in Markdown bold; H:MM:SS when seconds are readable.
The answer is **1:29**
